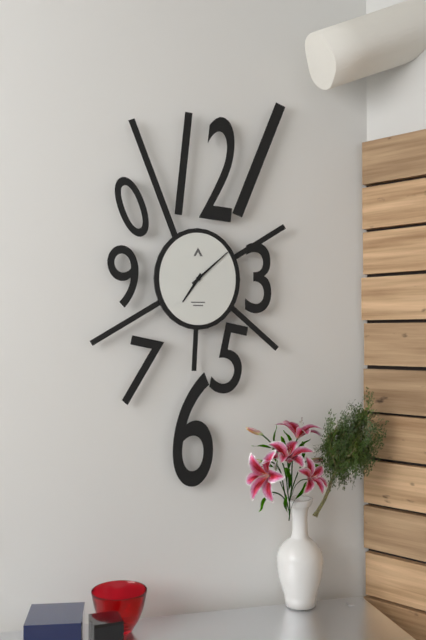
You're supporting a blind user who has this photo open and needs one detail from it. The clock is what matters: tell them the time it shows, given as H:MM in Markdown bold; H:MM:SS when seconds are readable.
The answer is **7:08**
